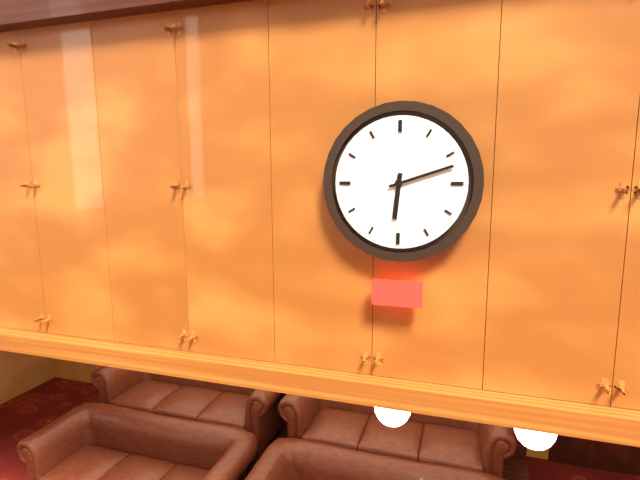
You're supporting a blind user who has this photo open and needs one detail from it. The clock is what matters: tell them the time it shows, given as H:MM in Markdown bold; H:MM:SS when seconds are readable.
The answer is **6:12**
